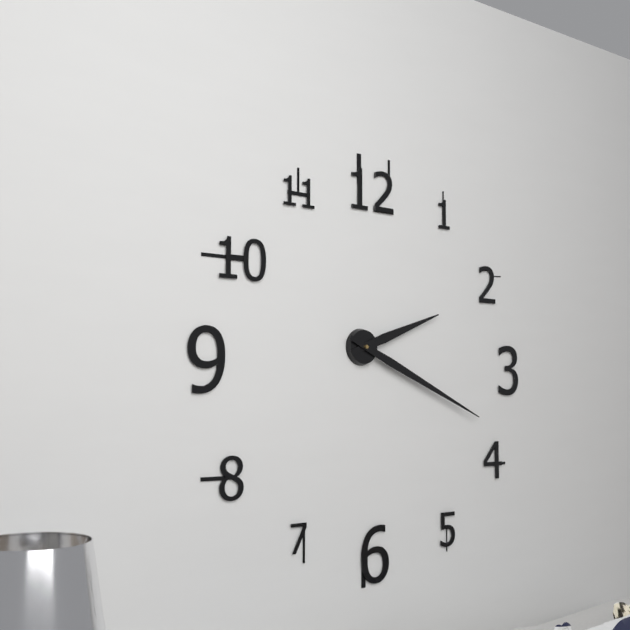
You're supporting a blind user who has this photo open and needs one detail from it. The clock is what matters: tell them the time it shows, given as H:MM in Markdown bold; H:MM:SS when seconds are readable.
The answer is **2:19**
